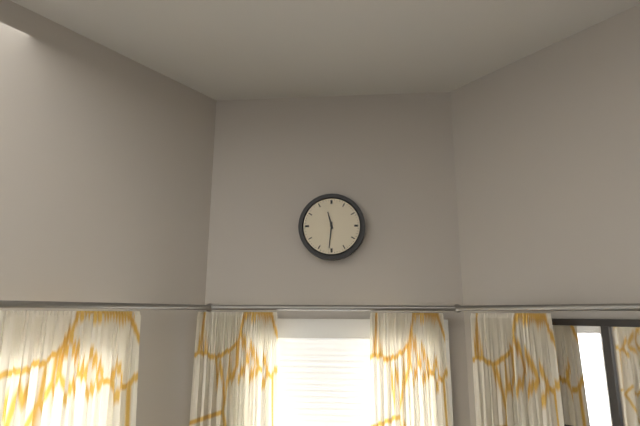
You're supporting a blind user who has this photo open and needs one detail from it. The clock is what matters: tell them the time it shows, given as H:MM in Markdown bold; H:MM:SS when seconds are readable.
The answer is **11:31**
